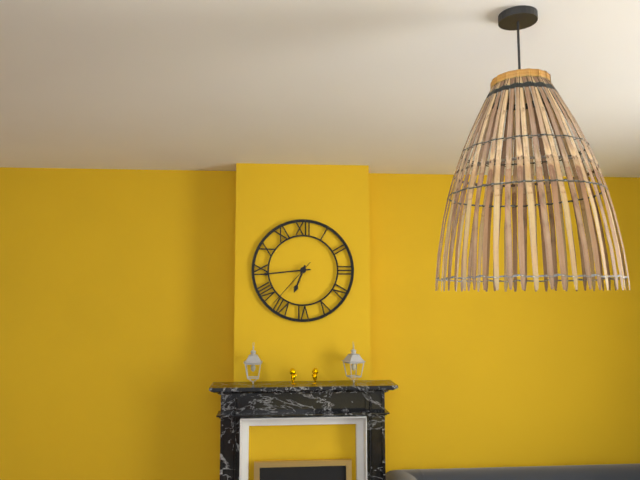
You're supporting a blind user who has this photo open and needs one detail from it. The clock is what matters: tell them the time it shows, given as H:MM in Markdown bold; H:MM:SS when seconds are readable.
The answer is **6:44:37**
